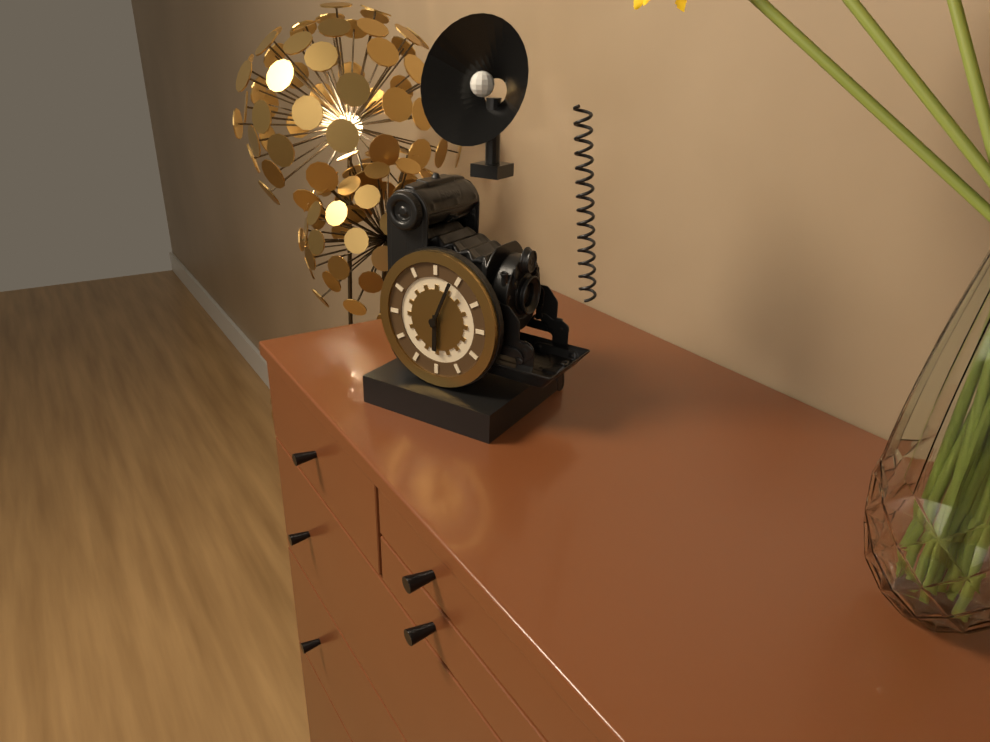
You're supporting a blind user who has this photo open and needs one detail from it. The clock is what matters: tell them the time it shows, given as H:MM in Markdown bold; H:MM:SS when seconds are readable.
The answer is **6:04**
